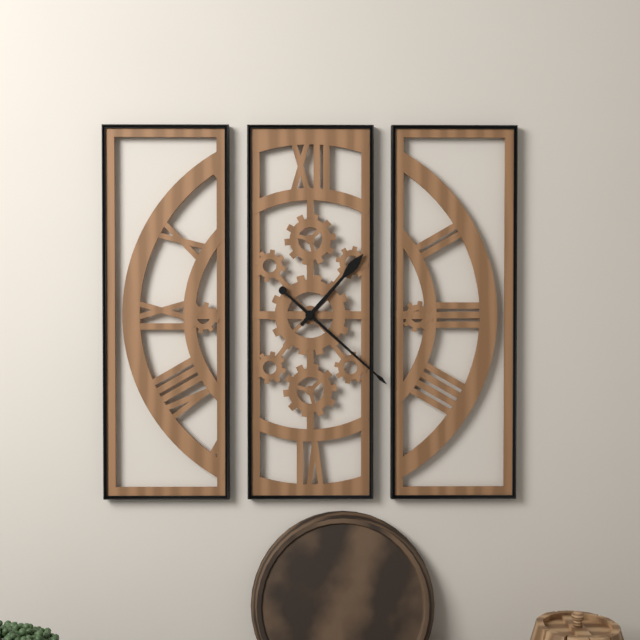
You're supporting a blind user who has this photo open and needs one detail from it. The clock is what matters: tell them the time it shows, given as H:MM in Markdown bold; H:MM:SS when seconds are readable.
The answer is **1:22**
